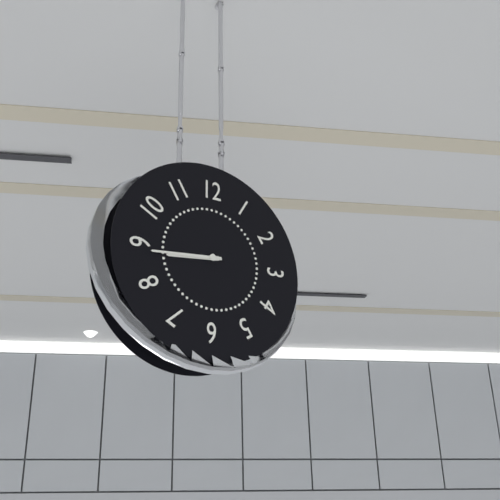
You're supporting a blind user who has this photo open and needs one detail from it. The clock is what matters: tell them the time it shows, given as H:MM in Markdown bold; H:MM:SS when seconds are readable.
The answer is **8:44**
